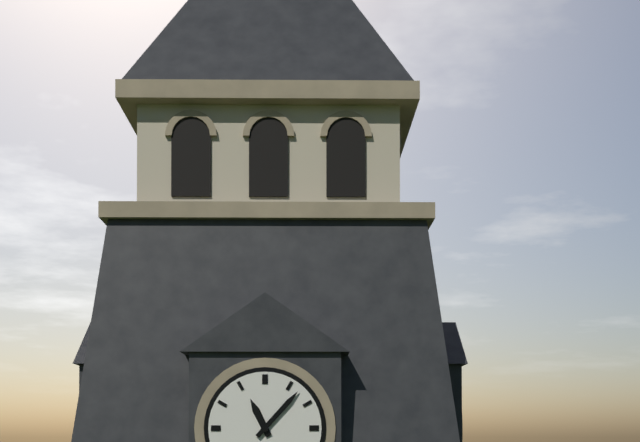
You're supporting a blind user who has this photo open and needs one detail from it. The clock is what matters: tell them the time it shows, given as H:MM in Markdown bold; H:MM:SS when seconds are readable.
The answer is **11:07**
